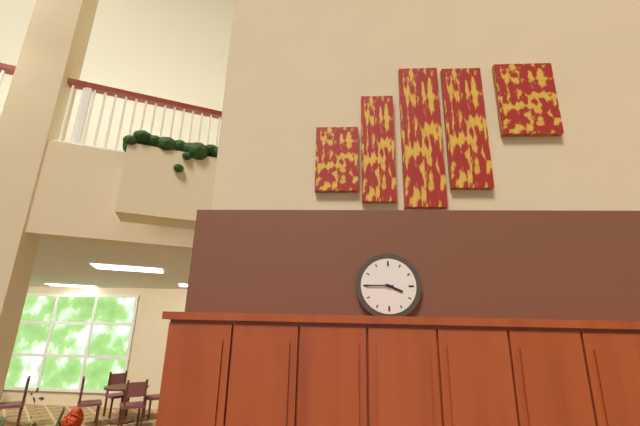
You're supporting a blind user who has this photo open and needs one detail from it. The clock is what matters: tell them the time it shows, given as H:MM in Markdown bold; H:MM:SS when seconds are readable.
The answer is **3:45**
